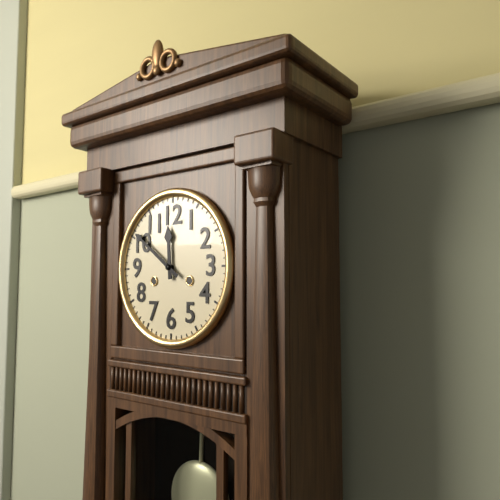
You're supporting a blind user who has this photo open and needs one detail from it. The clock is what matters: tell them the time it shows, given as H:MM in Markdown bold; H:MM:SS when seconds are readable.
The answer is **11:51**
